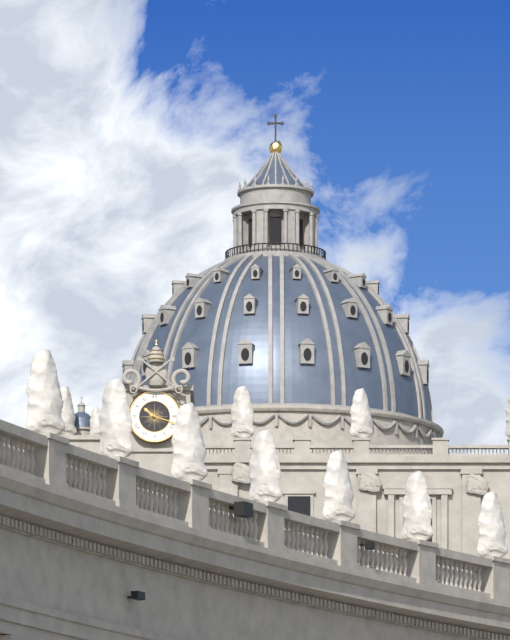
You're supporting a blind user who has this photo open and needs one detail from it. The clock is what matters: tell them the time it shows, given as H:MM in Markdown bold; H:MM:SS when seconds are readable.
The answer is **10:18**
